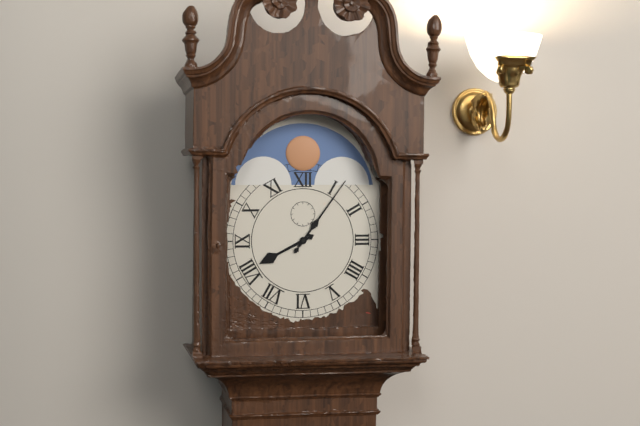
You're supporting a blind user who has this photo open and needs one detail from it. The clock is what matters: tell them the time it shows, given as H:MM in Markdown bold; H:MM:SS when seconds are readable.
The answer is **8:06**
